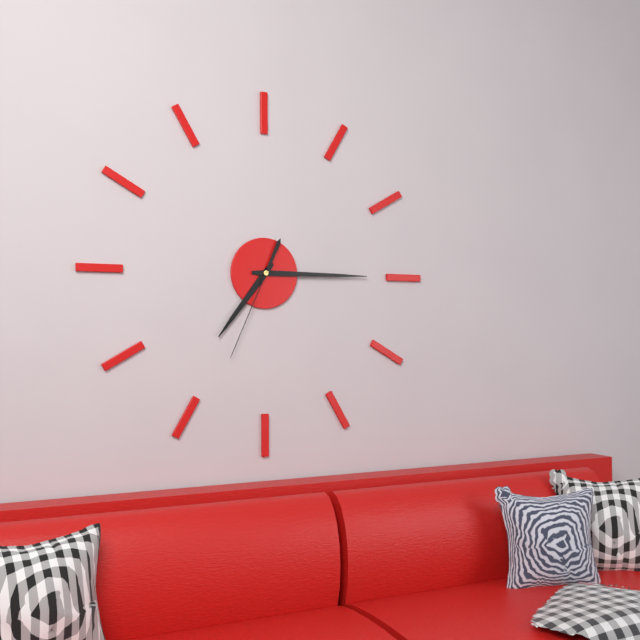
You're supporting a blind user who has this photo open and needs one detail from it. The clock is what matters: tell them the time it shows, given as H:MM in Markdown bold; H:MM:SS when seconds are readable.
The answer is **7:15:34**
